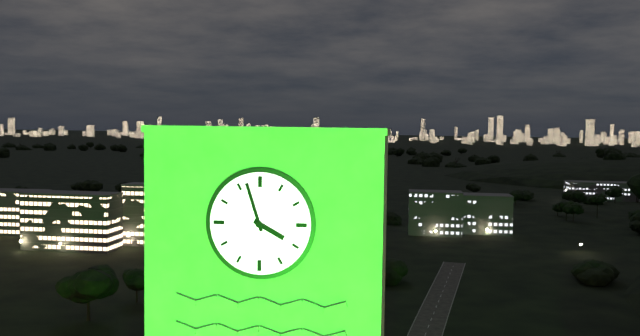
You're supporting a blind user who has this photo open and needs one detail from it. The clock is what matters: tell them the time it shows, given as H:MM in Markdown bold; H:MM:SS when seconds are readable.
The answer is **3:57**
